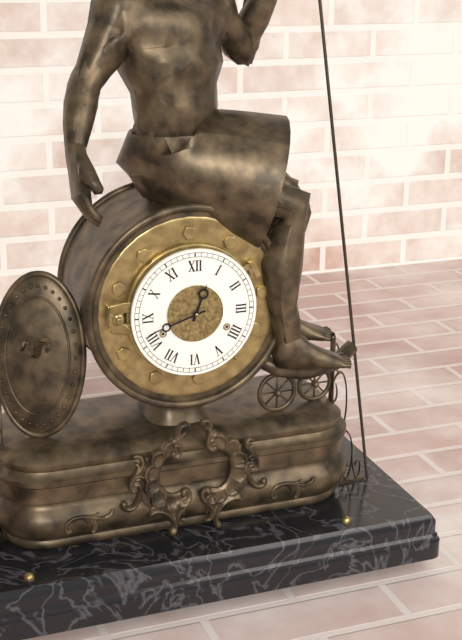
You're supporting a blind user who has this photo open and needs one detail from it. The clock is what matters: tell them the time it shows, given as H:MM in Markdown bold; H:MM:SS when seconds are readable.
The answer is **12:42**
